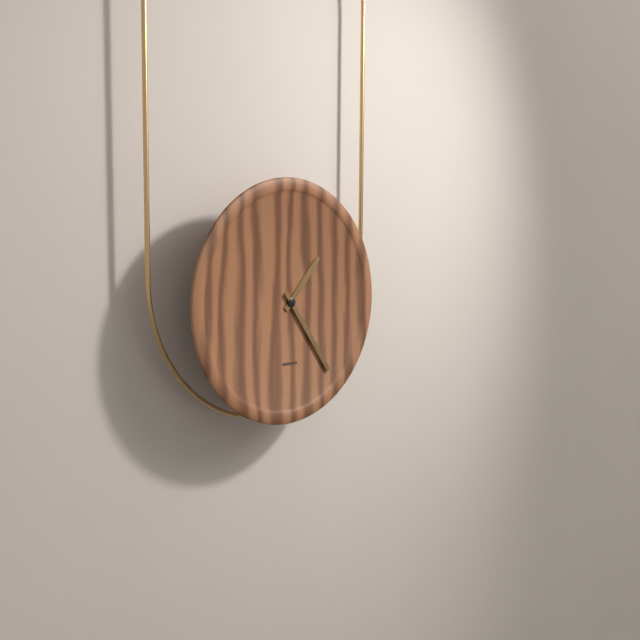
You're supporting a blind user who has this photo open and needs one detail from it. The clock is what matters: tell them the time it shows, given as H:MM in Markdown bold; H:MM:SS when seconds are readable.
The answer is **1:24**
